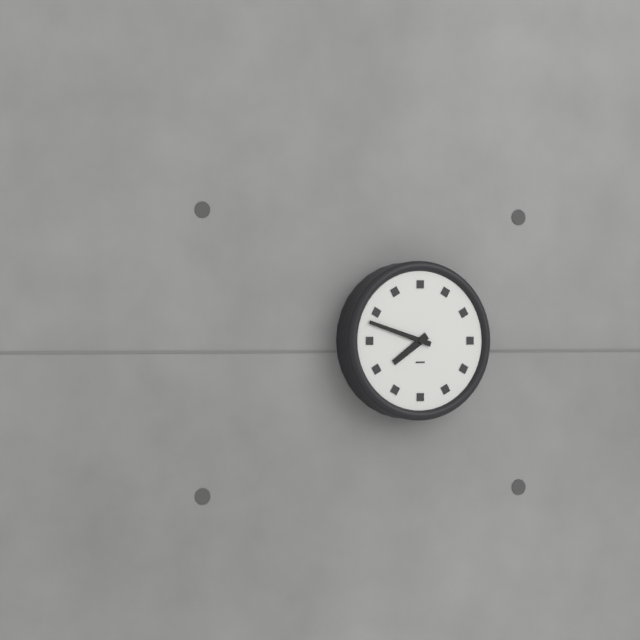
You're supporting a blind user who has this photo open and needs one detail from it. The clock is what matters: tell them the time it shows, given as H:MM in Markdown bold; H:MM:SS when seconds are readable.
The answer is **7:48**
